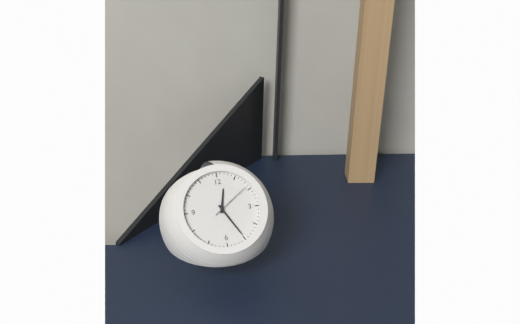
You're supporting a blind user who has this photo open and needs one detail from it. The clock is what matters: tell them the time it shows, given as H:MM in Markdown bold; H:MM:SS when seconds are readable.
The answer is **12:25**
